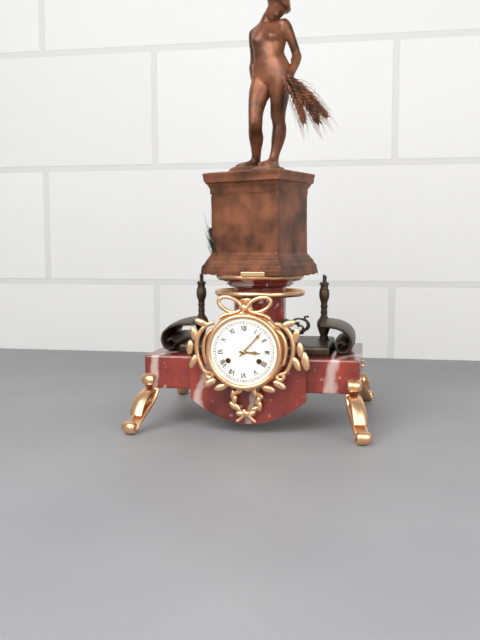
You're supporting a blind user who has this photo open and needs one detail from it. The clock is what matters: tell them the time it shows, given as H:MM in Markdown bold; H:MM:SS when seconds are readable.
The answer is **3:07**
